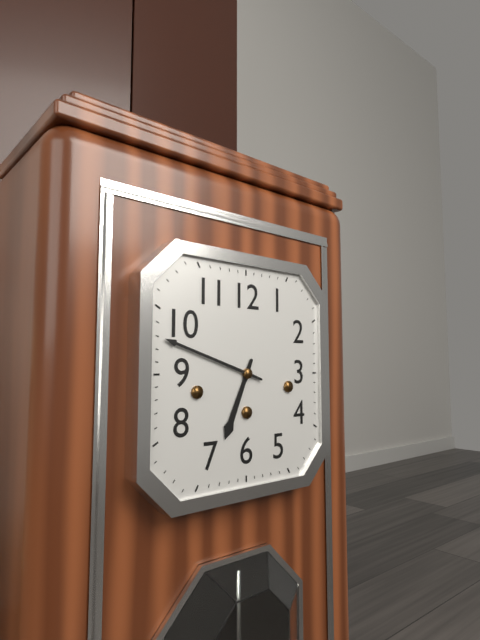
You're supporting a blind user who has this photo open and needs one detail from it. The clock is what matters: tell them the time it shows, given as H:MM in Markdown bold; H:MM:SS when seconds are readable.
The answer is **6:48**
